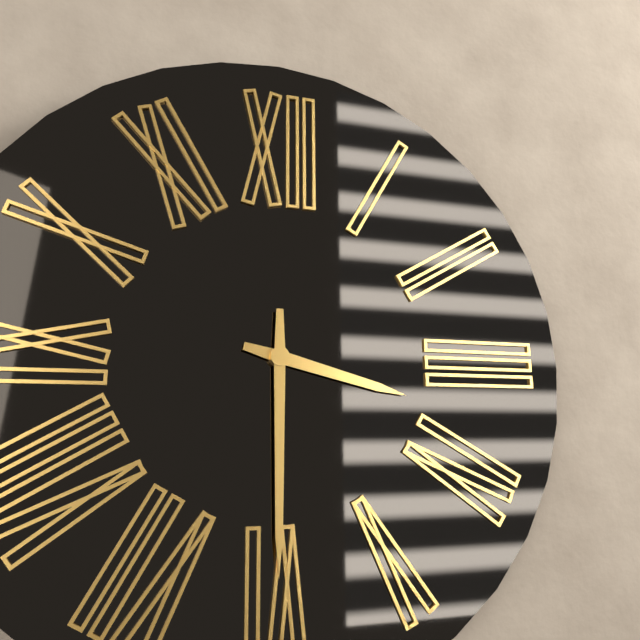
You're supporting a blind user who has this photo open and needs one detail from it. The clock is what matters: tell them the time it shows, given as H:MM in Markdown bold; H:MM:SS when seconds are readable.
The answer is **3:30**
